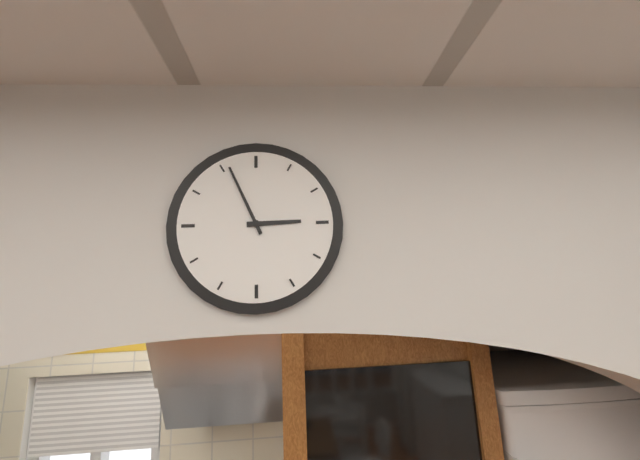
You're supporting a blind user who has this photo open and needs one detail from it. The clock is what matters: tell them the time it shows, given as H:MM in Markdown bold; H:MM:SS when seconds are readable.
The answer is **2:56**
